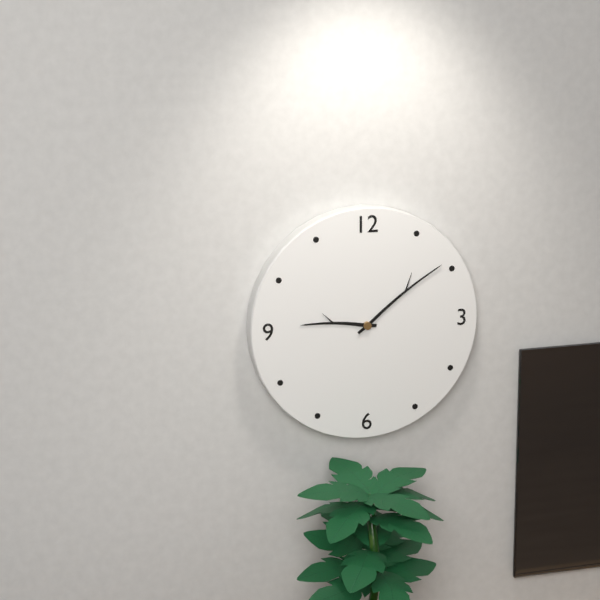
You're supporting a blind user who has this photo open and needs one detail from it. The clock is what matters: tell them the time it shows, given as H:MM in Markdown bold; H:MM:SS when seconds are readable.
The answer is **9:09**
